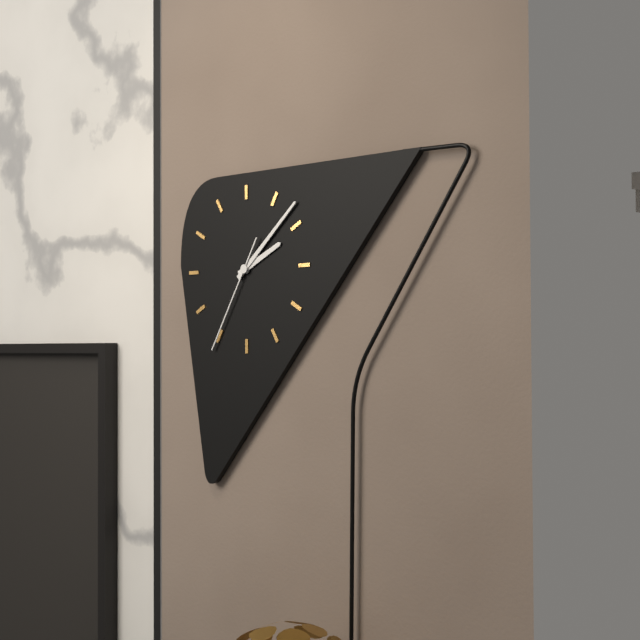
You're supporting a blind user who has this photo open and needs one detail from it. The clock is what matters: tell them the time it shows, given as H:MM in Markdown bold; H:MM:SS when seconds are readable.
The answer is **2:08:35**
